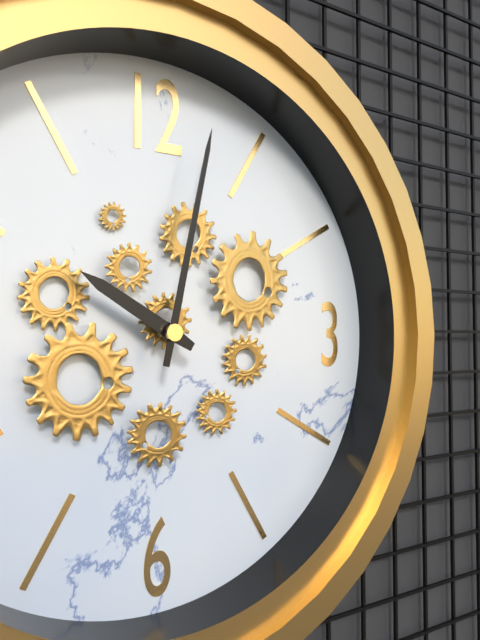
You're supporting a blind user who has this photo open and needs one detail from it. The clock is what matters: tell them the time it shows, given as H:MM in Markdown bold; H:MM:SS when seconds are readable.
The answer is **10:02**
